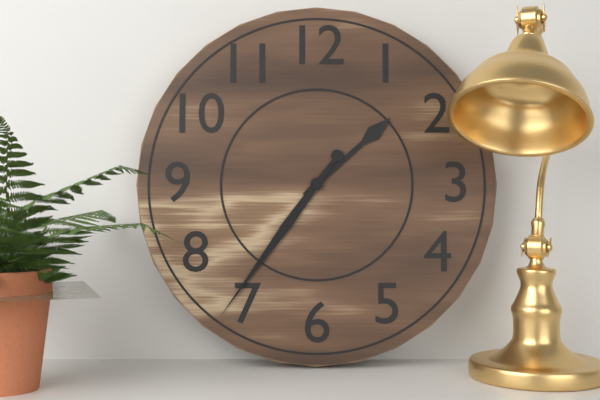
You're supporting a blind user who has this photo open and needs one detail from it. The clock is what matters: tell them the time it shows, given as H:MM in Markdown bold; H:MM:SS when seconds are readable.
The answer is **1:36**
